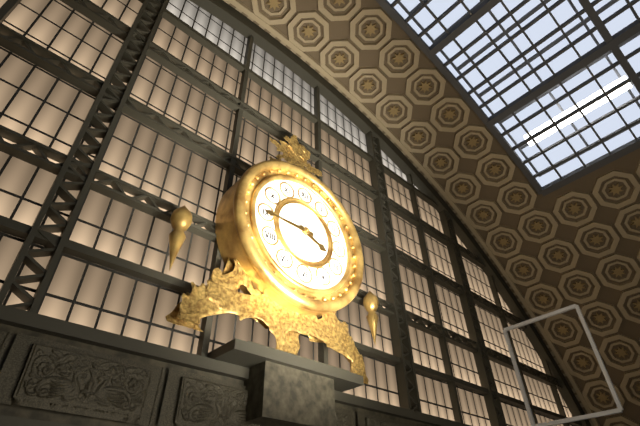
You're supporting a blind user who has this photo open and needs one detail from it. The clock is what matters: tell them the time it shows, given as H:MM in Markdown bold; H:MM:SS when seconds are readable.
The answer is **3:45**
